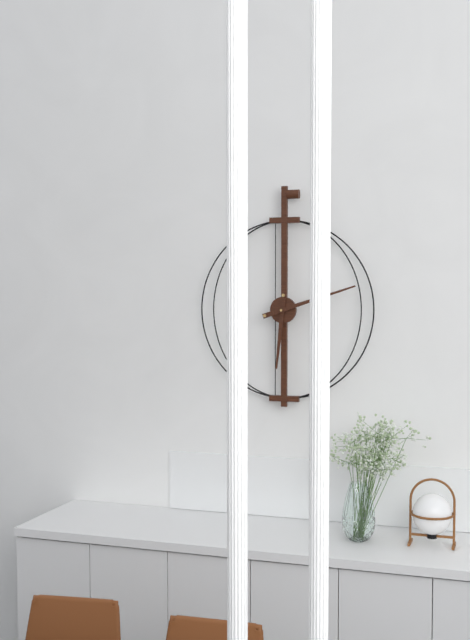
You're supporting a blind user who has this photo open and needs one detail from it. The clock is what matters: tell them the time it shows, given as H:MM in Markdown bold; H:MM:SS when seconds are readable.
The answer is **6:12**
